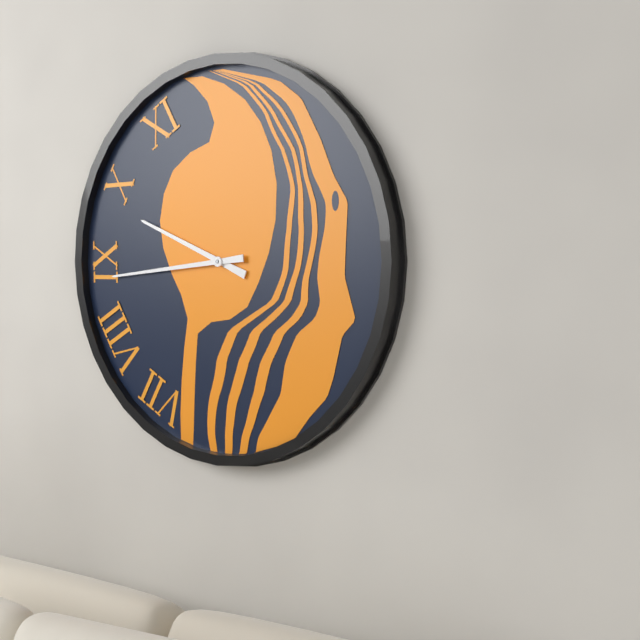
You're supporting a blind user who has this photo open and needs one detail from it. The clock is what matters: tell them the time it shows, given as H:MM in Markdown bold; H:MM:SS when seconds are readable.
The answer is **9:44**
